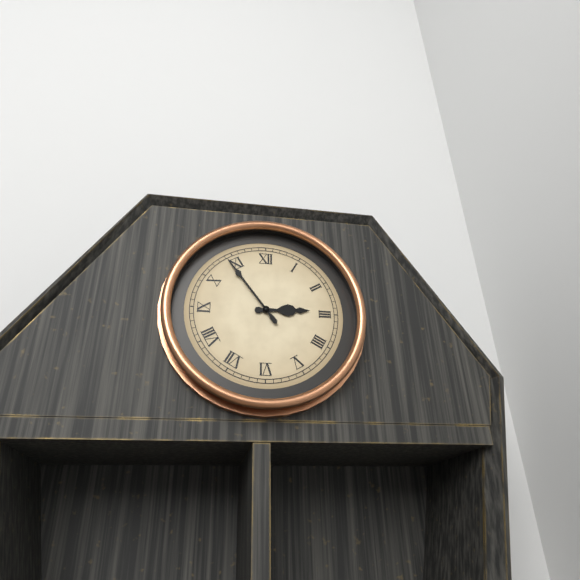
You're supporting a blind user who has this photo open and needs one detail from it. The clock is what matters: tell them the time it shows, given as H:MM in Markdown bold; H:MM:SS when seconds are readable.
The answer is **2:54**
